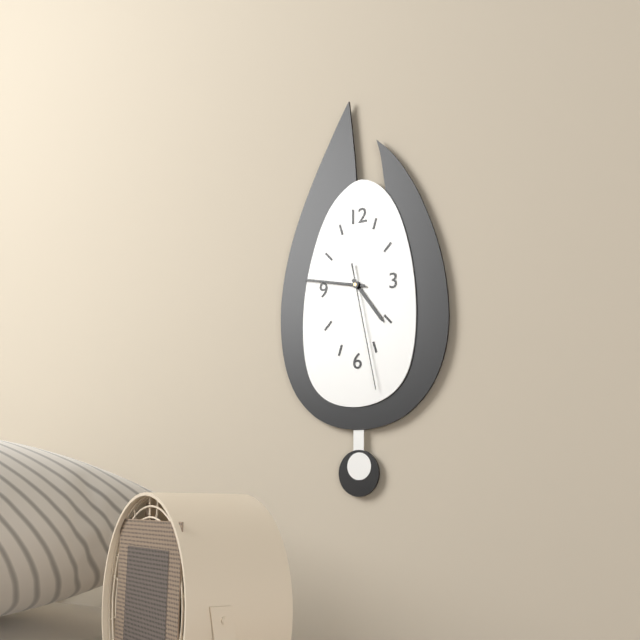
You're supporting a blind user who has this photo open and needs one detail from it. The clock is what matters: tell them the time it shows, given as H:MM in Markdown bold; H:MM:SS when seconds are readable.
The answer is **4:47:28**
